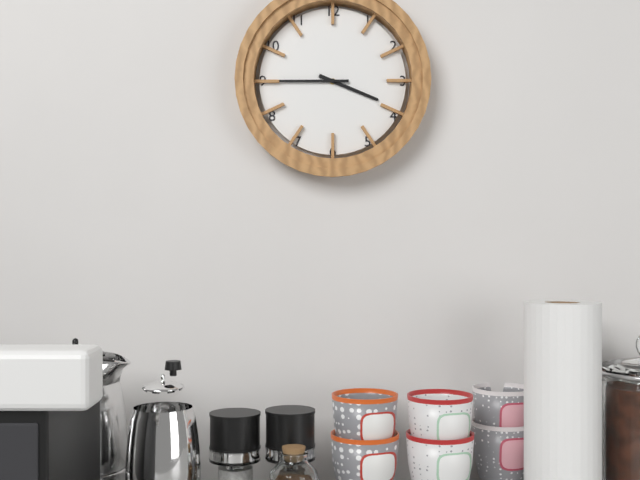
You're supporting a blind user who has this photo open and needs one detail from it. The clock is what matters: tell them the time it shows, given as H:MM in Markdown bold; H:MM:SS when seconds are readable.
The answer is **3:45**
